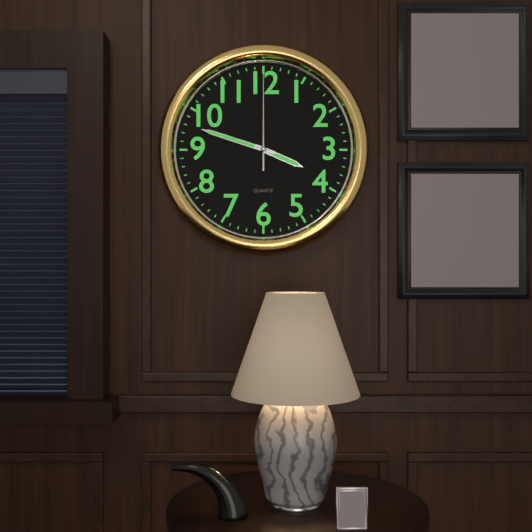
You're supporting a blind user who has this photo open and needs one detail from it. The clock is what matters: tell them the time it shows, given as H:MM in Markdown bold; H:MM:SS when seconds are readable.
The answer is **3:48:00**
